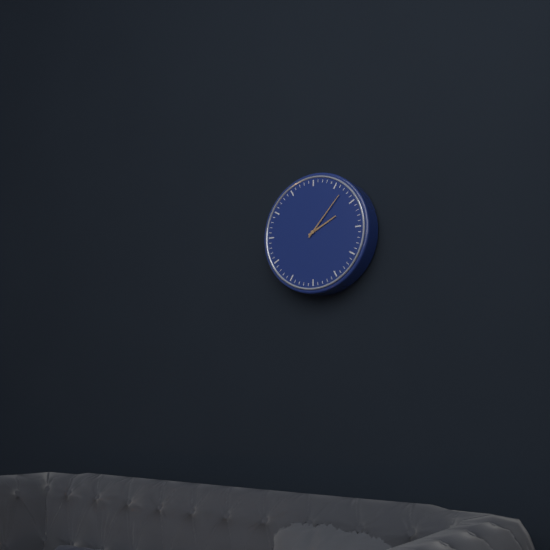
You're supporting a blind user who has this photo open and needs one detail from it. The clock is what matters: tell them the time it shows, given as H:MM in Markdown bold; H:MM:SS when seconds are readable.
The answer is **2:07**
